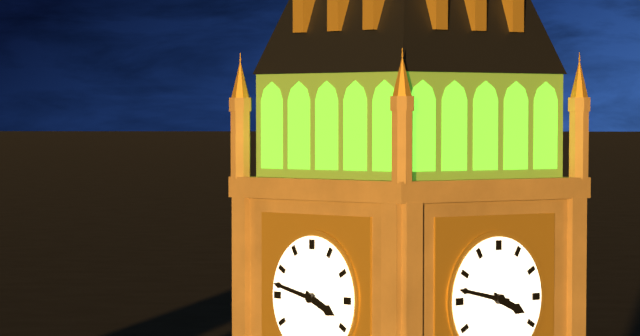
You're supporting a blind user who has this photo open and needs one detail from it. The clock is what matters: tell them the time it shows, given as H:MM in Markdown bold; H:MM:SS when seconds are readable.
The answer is **3:47**
